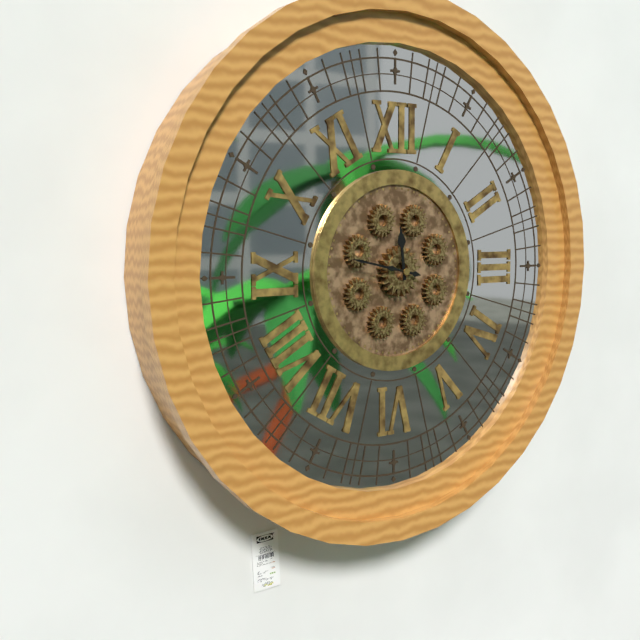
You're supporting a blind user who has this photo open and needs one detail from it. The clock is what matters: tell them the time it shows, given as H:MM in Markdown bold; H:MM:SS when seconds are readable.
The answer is **11:47**
